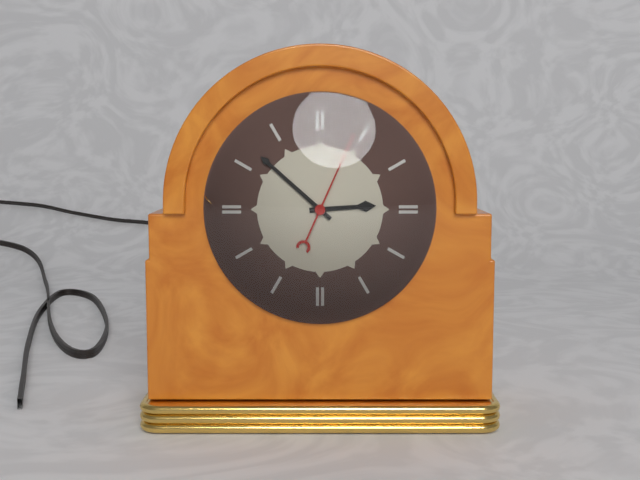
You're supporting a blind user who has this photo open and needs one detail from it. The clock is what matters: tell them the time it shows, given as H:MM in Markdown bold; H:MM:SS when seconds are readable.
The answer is **2:52:04**
